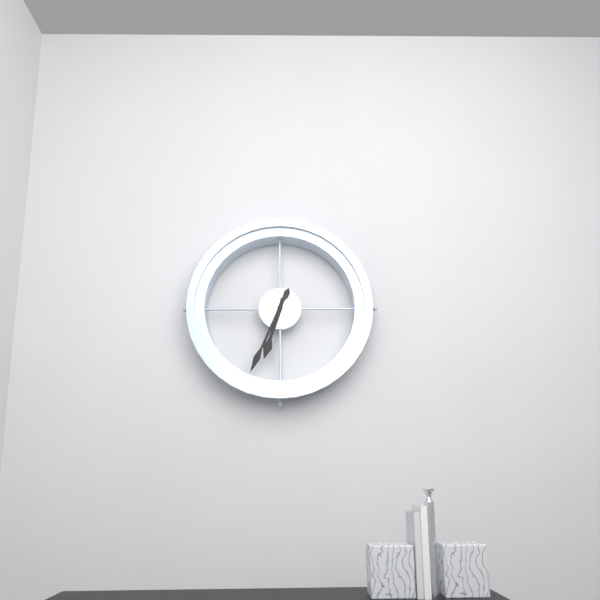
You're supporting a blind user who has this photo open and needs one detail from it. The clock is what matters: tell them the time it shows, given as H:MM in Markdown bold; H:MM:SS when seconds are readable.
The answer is **6:34**
